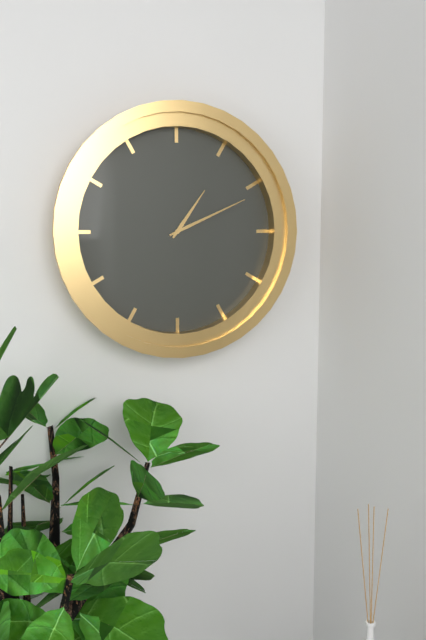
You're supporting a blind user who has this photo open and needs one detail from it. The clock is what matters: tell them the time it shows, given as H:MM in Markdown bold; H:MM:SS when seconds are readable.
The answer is **1:11**
